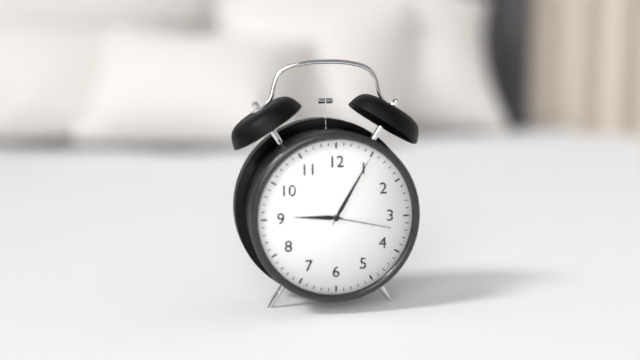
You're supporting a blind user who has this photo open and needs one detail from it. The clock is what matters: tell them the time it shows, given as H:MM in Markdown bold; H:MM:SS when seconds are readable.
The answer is **9:05:17**
